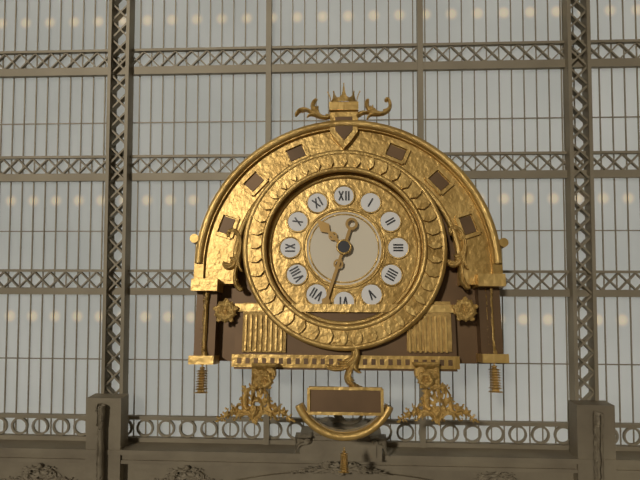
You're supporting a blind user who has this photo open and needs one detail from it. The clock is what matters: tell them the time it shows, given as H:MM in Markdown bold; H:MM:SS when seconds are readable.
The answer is **10:33**
